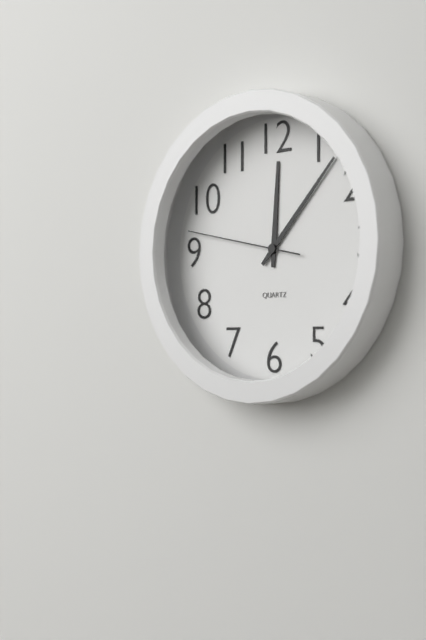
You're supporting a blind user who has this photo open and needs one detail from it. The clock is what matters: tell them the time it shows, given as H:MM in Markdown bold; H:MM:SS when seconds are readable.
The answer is **12:07:47**
